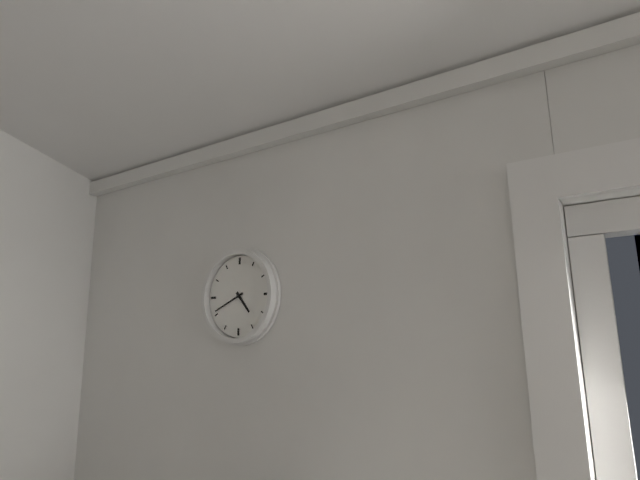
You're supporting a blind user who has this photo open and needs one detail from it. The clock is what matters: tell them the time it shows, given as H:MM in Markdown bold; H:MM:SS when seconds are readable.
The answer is **4:41**
